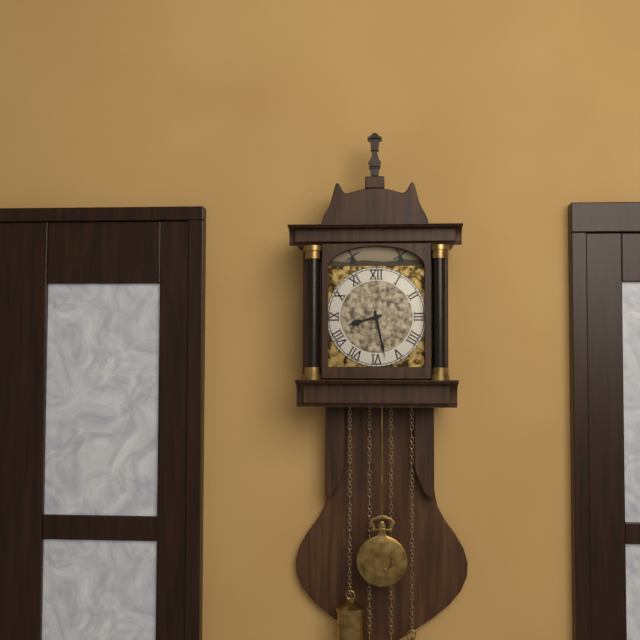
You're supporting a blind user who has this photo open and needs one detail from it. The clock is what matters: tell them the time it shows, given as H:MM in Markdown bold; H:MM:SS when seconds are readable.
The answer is **8:28**
